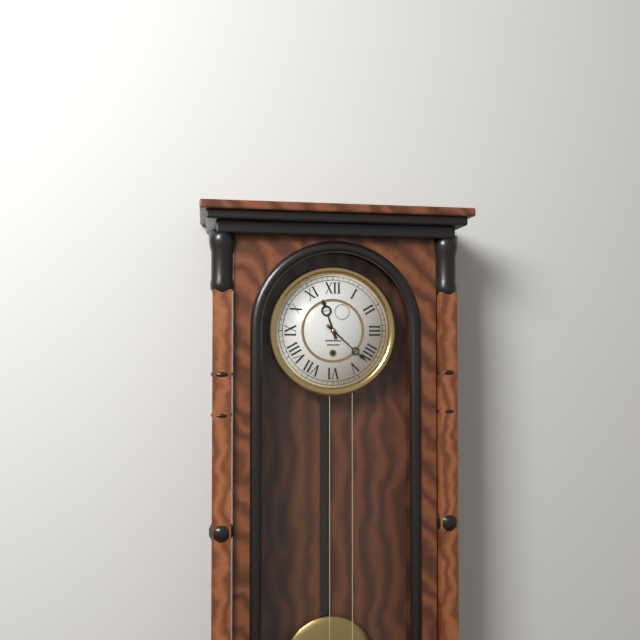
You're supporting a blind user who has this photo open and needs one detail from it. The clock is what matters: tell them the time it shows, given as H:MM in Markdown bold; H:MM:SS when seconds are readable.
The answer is **11:22**
